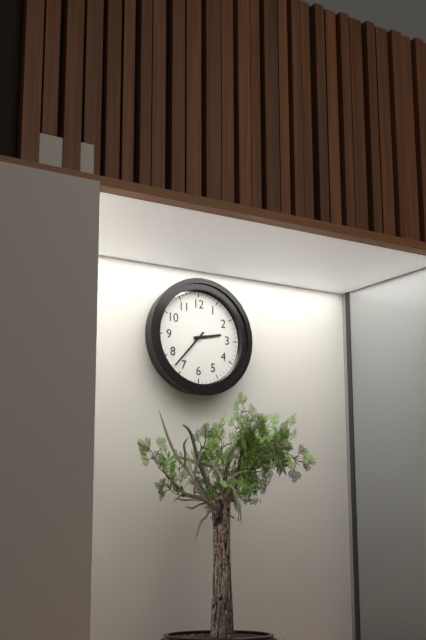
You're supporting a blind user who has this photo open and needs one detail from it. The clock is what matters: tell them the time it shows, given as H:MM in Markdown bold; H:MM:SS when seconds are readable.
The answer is **2:37**
